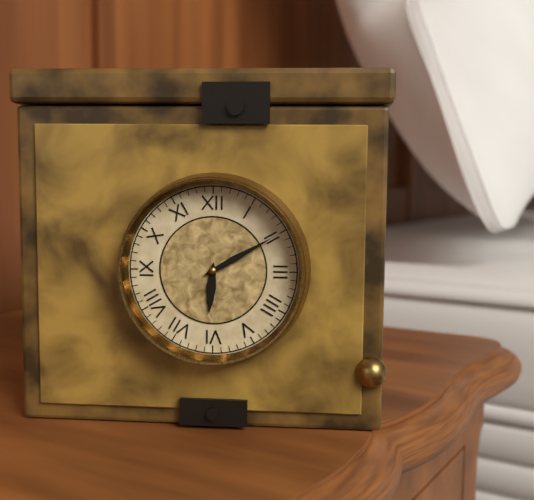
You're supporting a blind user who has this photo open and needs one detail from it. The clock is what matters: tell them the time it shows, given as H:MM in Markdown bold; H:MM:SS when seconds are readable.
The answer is **6:10**
